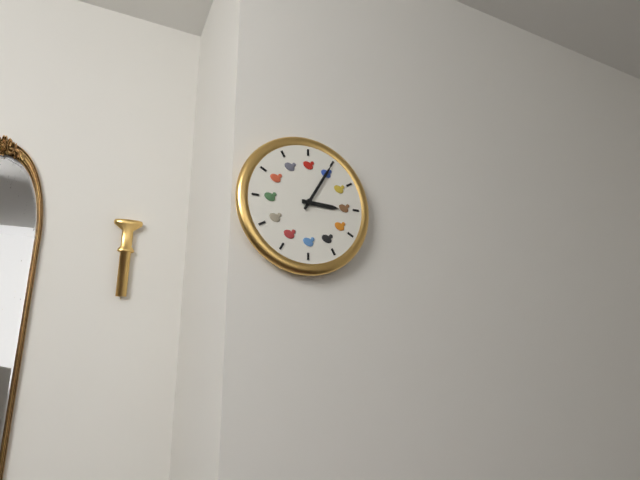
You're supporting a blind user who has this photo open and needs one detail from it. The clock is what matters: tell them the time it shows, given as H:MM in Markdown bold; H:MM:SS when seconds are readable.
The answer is **3:05**
